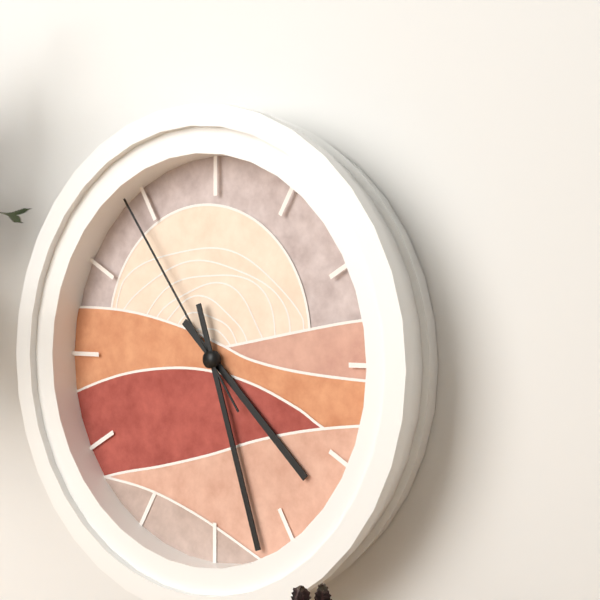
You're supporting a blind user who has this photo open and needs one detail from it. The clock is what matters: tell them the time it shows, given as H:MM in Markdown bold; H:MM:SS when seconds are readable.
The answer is **4:27:54**
